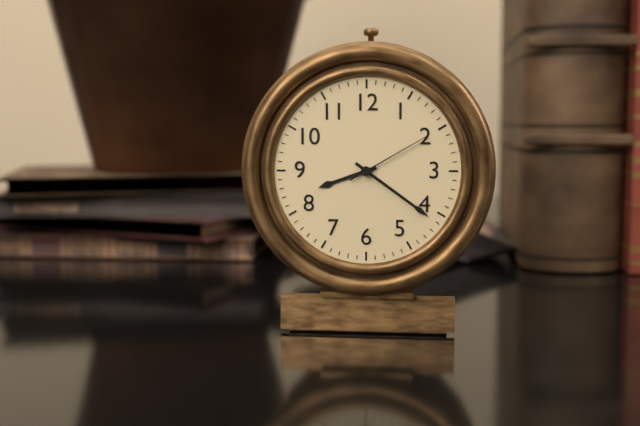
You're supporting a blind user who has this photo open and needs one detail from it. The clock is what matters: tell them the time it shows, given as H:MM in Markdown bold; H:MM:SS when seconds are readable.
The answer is **8:21:10**
